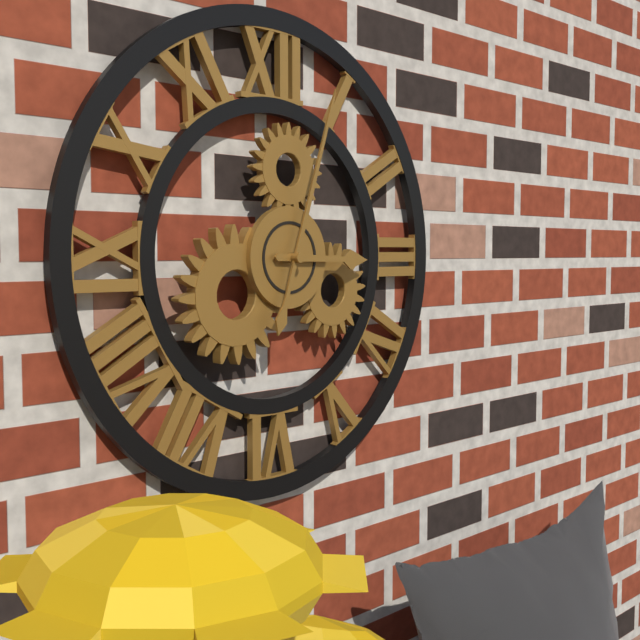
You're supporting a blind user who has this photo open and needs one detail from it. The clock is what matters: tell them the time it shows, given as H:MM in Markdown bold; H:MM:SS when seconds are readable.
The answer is **3:03**
